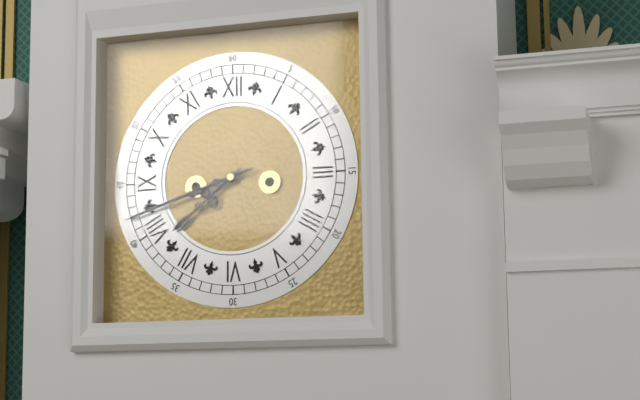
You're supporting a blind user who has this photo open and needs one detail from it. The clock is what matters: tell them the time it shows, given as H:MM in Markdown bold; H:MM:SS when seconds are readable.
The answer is **7:42**
